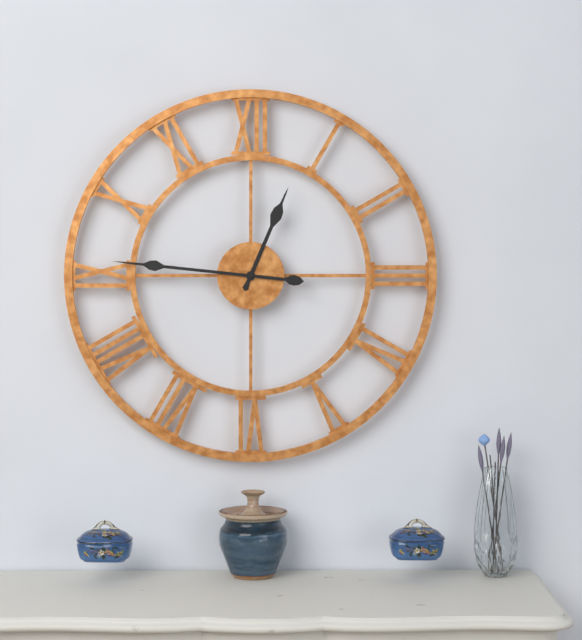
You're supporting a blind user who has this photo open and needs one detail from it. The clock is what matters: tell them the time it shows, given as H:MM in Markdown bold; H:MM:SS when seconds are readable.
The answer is **12:46**
